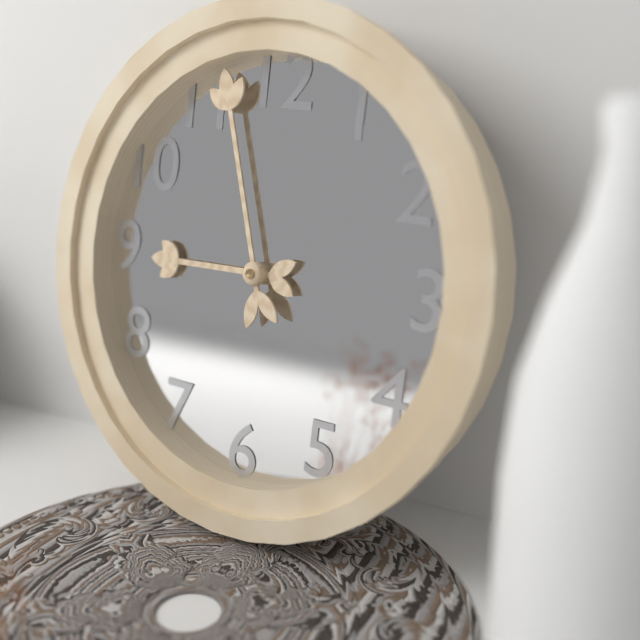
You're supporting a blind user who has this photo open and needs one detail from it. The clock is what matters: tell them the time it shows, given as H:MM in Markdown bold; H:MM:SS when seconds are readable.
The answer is **8:57**
